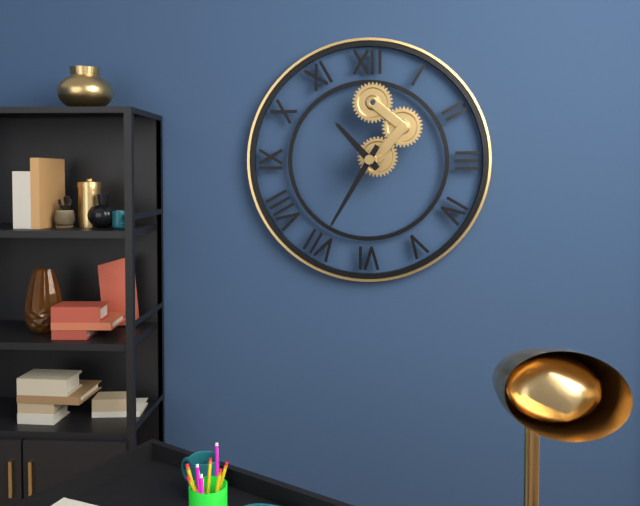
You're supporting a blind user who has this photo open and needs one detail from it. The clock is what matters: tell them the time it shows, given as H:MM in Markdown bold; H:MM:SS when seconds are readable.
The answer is **10:35**
